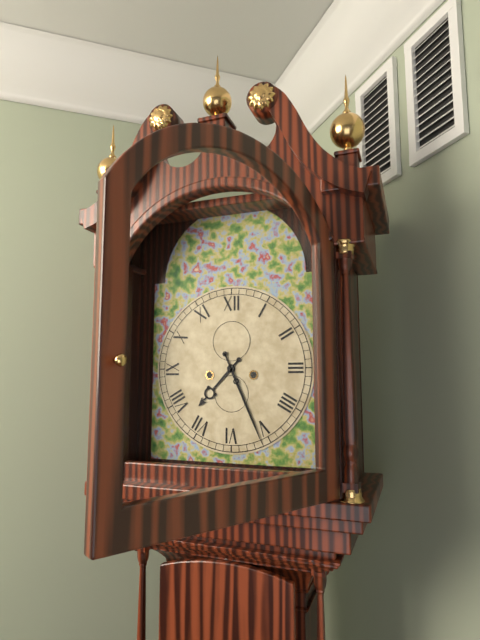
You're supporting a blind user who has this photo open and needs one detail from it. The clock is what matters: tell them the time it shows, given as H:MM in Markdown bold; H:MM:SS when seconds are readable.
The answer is **7:26**
